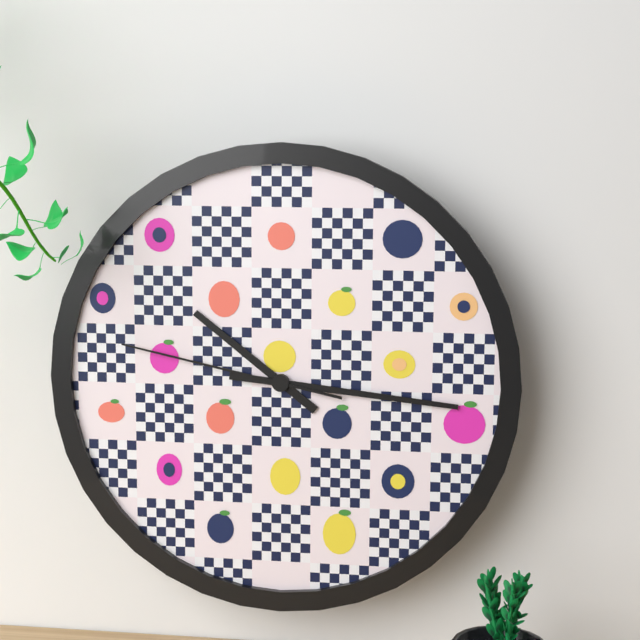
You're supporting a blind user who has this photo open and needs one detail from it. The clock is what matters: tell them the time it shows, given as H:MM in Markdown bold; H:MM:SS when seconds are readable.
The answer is **10:16:47**
